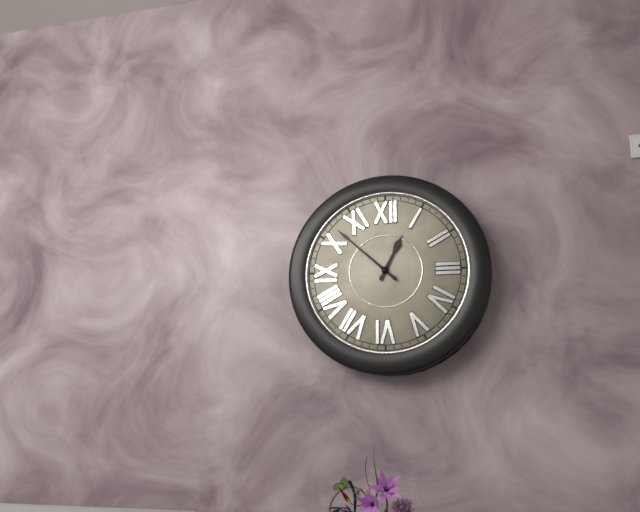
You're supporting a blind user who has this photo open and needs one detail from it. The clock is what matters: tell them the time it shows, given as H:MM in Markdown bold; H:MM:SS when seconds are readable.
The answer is **12:52**
